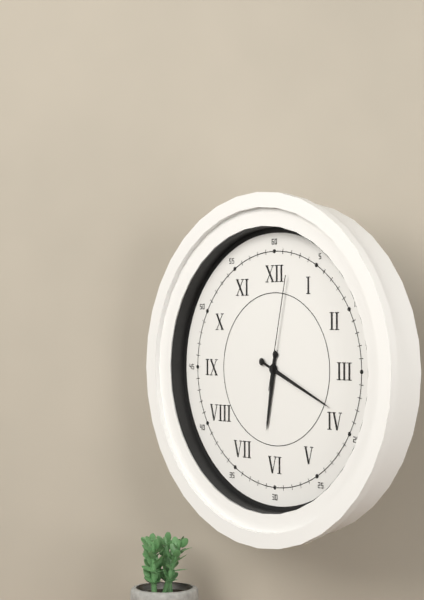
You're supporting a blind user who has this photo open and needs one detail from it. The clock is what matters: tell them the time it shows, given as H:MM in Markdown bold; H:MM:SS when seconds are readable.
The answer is **6:19:02**
